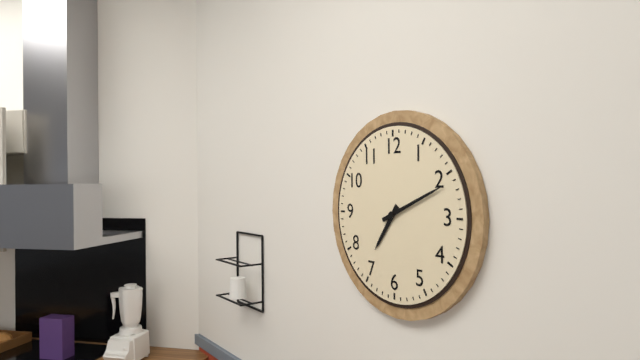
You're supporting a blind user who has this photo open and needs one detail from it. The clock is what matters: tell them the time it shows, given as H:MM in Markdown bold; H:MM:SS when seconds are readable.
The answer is **7:11**
